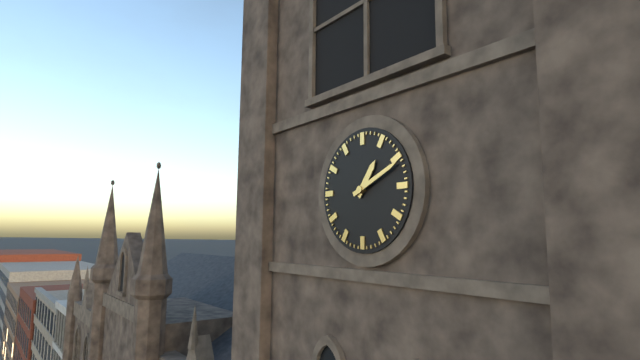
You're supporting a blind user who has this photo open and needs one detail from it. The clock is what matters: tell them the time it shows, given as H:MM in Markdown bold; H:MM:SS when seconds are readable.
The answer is **1:11**
